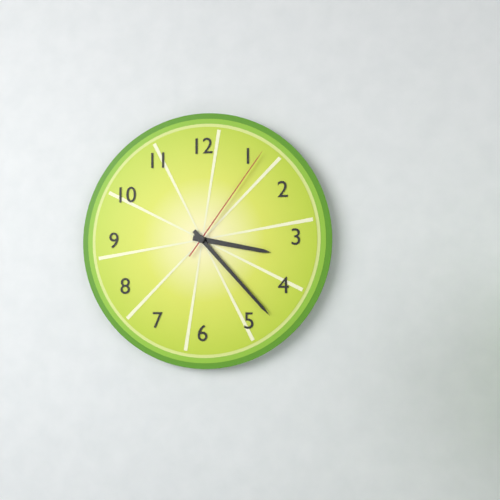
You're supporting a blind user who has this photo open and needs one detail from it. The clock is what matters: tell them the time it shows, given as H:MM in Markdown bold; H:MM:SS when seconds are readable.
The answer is **3:23:06**
